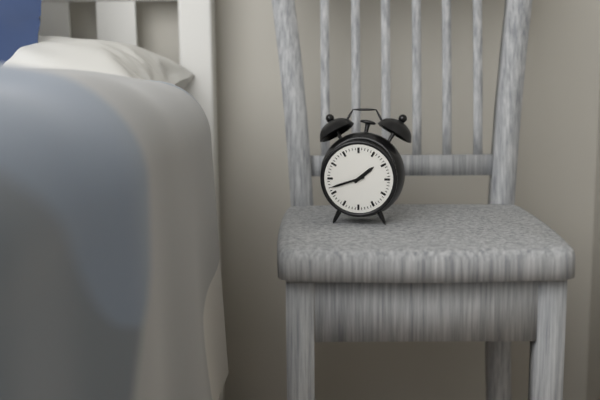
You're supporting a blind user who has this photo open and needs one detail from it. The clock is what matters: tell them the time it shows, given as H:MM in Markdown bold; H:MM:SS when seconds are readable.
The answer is **1:42**
